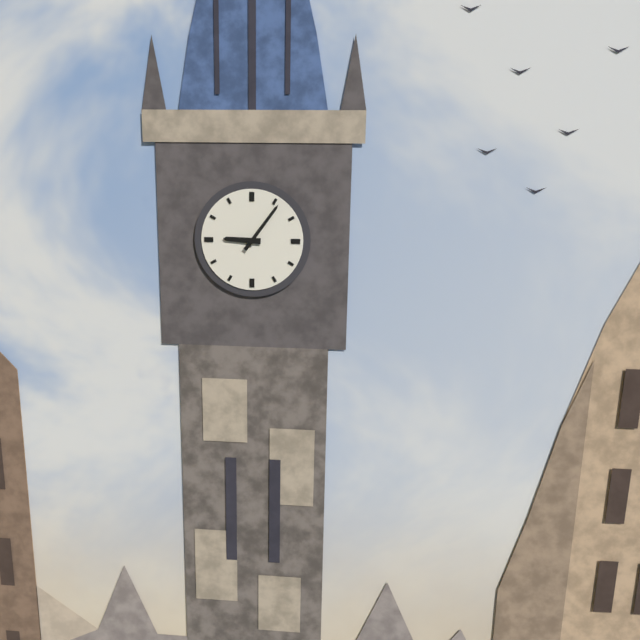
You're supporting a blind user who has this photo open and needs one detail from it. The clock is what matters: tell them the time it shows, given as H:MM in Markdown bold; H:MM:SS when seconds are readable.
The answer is **9:06**
